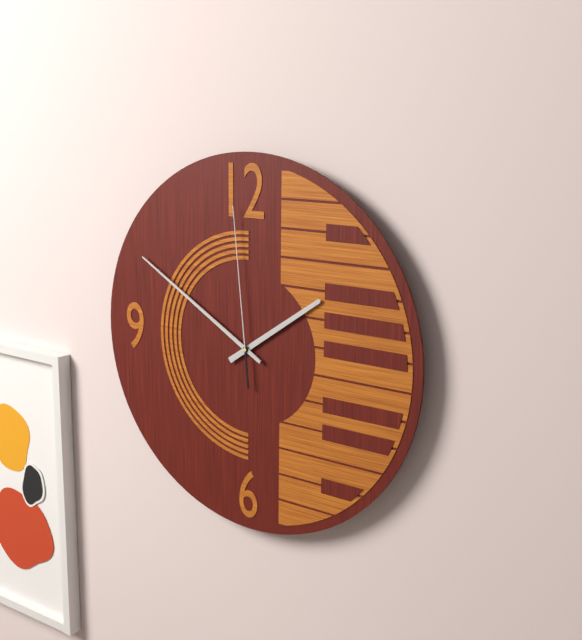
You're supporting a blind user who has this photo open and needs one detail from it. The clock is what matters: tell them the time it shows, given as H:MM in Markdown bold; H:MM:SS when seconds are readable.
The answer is **1:50:59**
